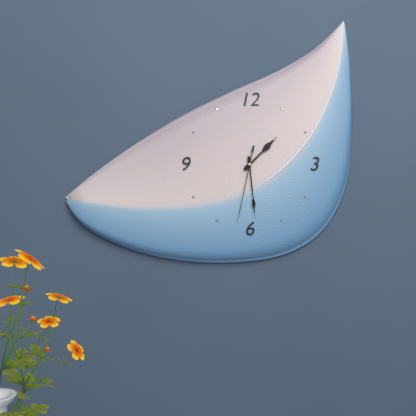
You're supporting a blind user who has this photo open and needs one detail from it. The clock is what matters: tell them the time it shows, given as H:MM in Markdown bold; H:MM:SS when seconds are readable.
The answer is **1:29:32**
